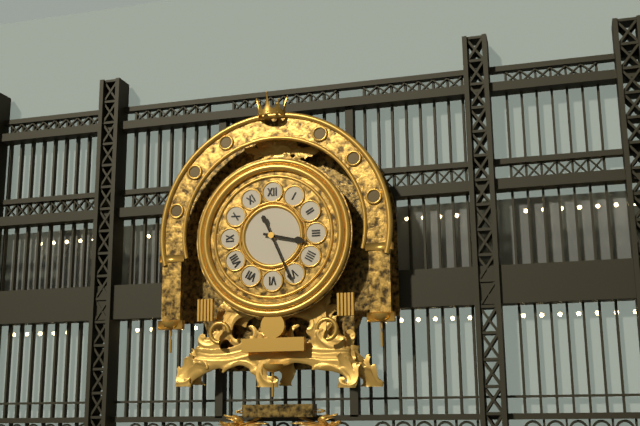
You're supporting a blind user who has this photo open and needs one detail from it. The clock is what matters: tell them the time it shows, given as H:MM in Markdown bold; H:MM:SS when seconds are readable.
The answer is **3:26**
